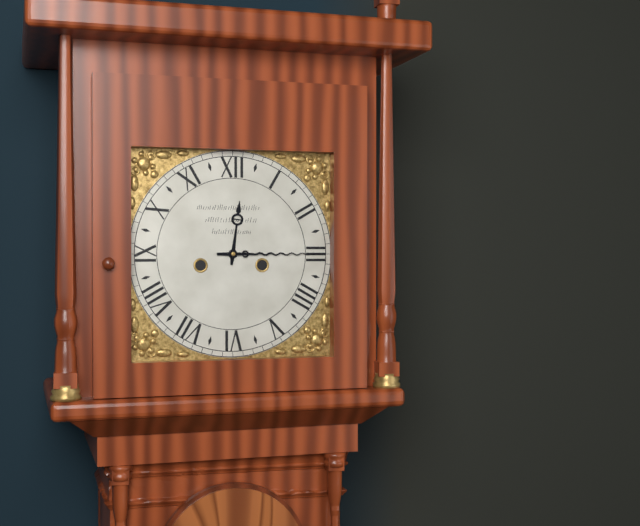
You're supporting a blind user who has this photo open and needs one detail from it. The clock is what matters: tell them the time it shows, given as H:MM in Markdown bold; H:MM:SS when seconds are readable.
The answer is **12:15**
